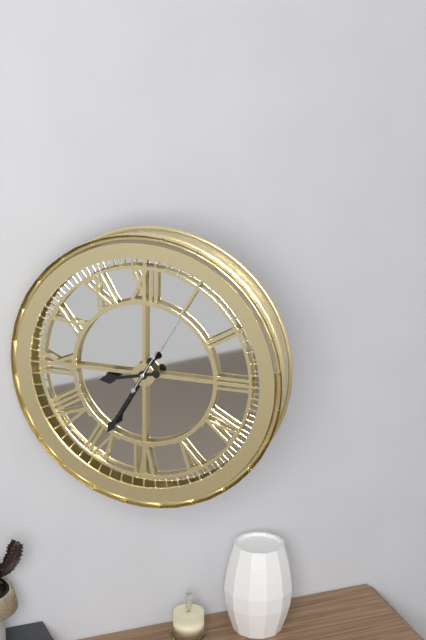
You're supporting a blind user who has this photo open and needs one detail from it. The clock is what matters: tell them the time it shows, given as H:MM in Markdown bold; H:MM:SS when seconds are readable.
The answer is **8:35:05**
